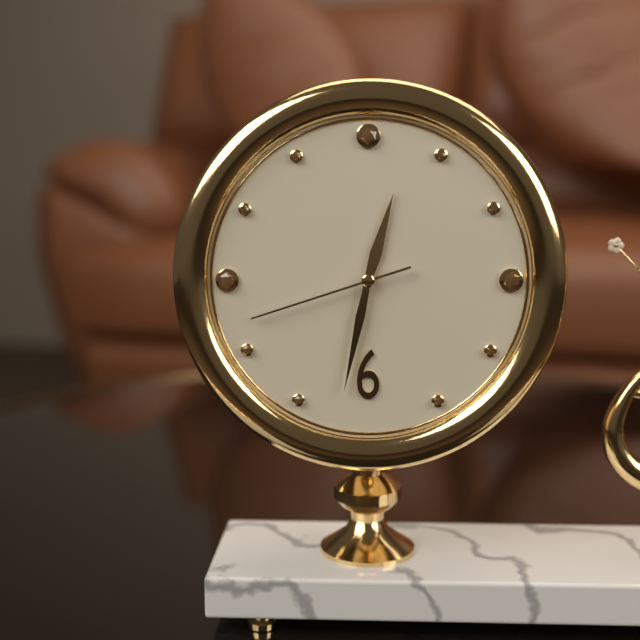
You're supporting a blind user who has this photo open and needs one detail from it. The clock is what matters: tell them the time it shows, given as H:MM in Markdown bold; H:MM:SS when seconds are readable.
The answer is **12:32:42**
